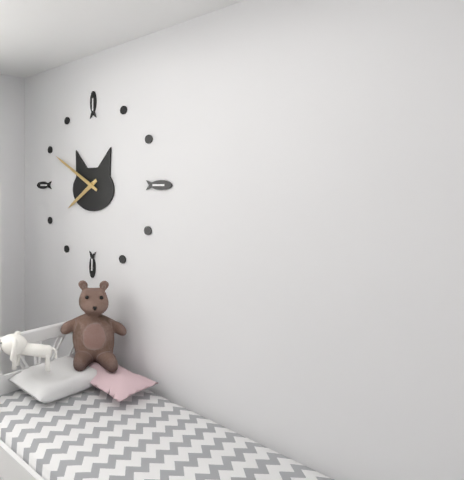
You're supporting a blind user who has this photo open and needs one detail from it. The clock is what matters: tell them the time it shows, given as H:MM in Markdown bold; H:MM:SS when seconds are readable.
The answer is **7:50**
